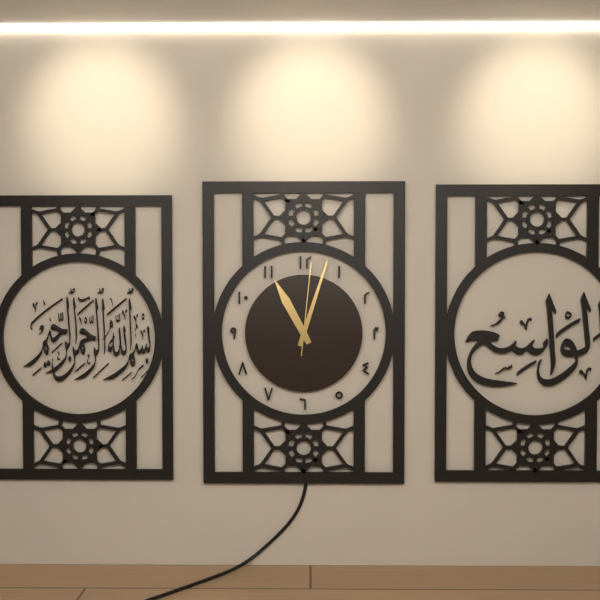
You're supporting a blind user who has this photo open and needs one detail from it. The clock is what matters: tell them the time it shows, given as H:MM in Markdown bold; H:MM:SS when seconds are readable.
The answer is **11:03:01**
